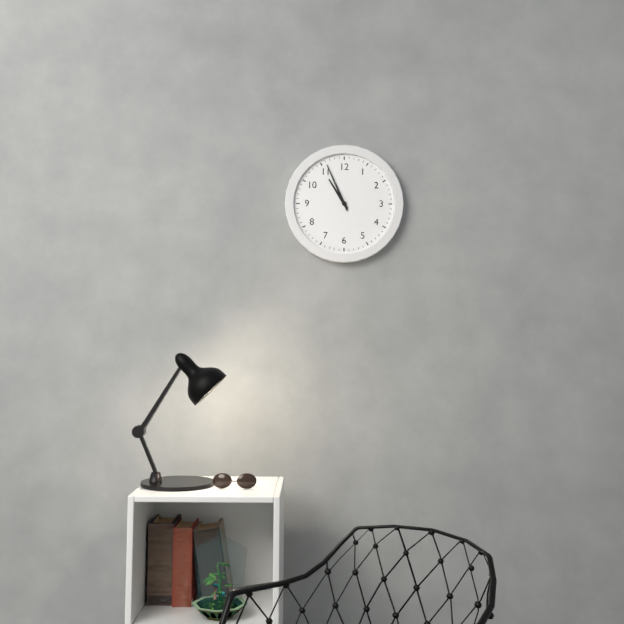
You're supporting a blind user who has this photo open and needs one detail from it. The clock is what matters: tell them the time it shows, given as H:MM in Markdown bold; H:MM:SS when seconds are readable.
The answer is **10:56**
